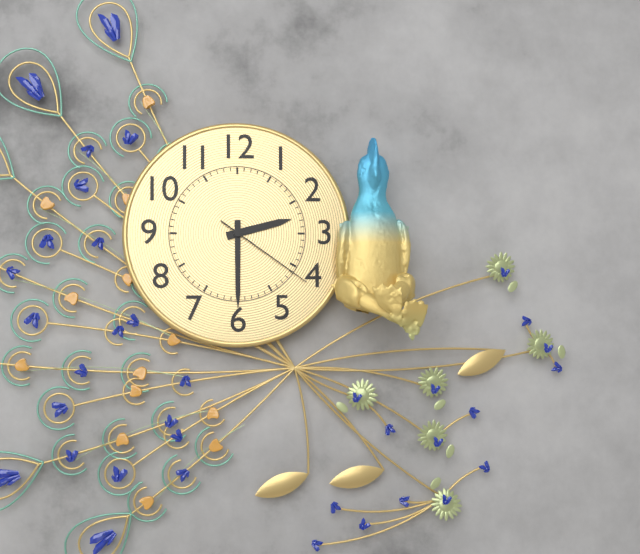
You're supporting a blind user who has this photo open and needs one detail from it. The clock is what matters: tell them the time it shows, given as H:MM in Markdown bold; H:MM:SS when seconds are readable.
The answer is **2:30:21**
